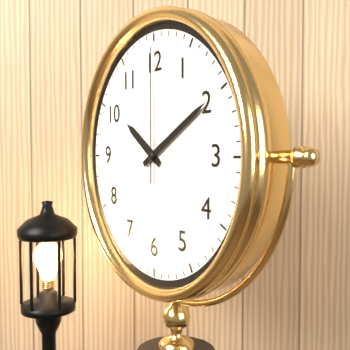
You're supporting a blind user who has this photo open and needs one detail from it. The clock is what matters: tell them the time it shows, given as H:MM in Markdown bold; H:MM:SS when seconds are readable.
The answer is **10:10:00**
